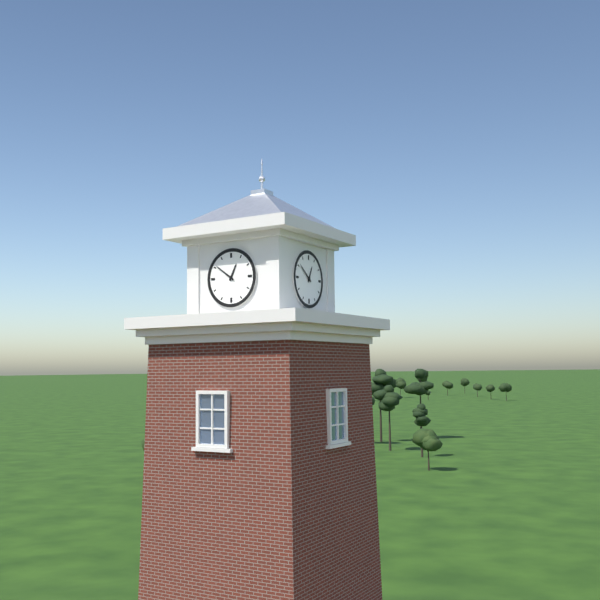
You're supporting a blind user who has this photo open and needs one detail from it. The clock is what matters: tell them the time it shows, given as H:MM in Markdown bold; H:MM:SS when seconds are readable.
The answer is **12:51**
